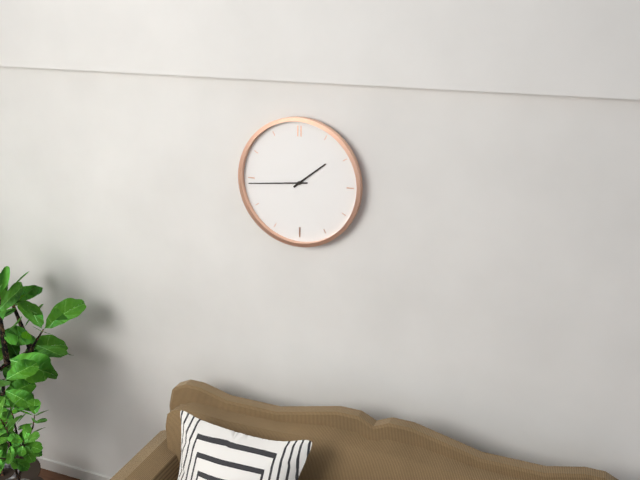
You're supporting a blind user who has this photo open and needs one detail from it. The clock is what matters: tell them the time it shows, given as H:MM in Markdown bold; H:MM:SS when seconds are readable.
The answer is **1:44**
